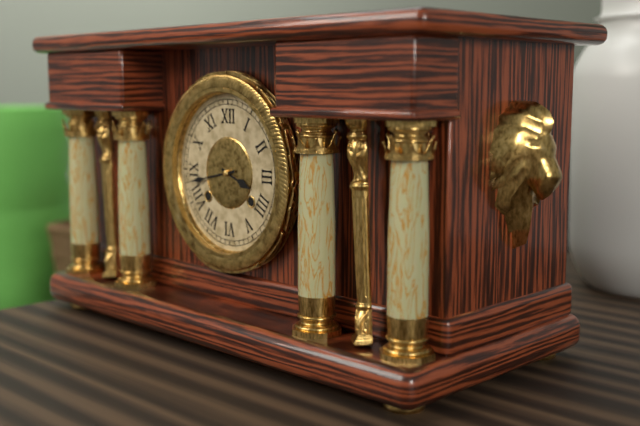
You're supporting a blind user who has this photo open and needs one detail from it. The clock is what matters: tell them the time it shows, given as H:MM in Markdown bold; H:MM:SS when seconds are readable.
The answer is **3:43**
